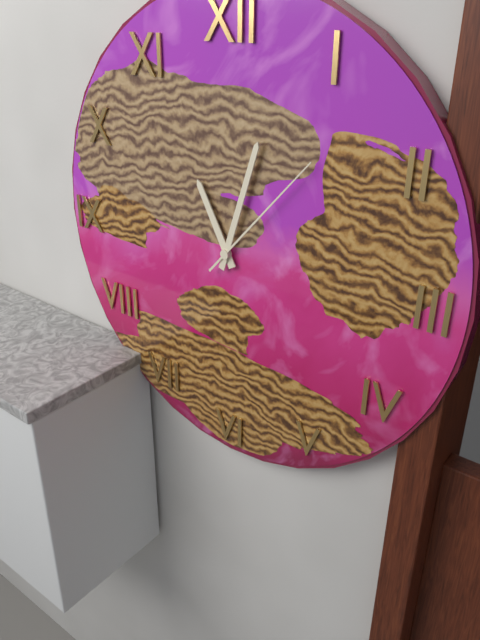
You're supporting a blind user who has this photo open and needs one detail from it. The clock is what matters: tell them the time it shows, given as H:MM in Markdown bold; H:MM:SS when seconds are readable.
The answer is **11:03:07**
